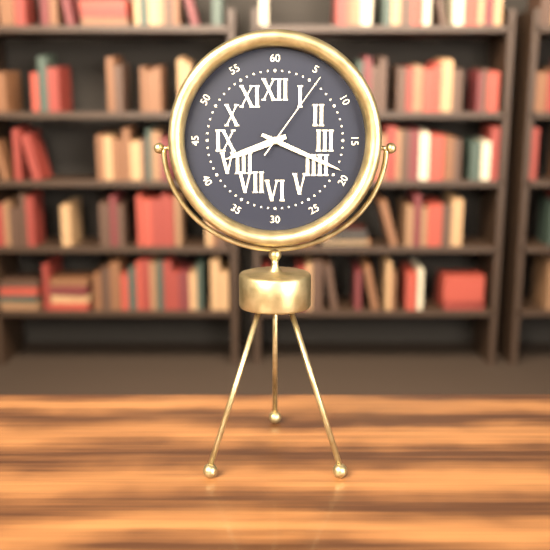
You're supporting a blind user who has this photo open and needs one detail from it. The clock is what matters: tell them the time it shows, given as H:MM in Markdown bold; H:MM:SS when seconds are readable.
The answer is **8:19:06**
